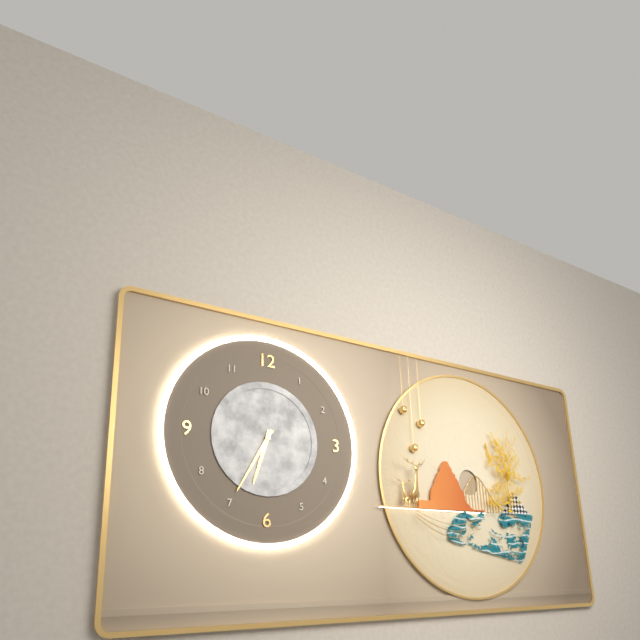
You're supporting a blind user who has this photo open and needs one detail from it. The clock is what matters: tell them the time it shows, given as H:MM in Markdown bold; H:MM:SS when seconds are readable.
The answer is **6:35**
